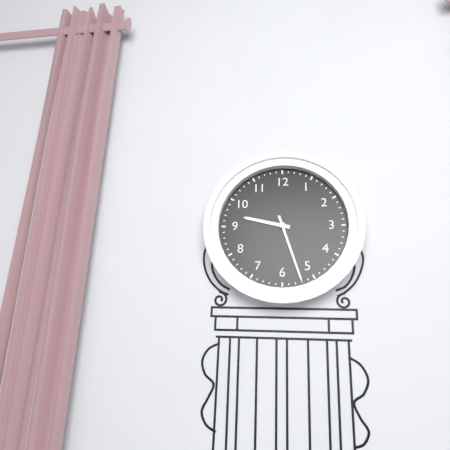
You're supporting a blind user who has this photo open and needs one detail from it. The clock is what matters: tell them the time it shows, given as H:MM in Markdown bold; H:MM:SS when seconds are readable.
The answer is **9:27**
